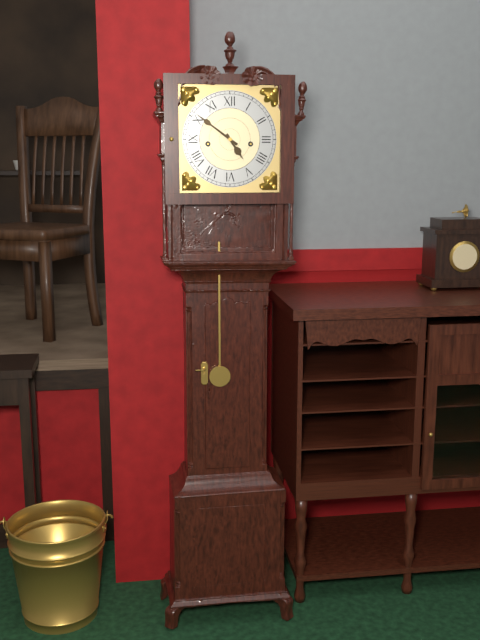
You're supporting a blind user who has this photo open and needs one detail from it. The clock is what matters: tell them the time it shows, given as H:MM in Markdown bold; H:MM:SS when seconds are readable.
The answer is **4:51**
